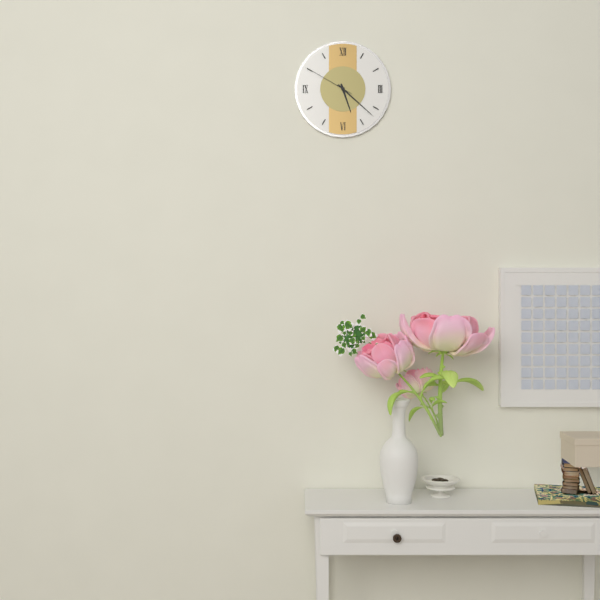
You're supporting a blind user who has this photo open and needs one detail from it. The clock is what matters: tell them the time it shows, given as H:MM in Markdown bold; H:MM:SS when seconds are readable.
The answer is **5:22:50**
